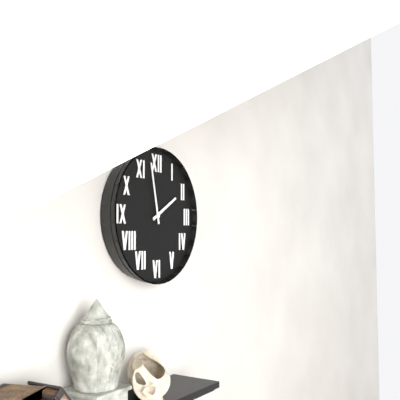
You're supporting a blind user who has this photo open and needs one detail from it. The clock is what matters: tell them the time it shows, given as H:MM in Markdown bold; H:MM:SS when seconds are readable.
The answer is **1:58**
